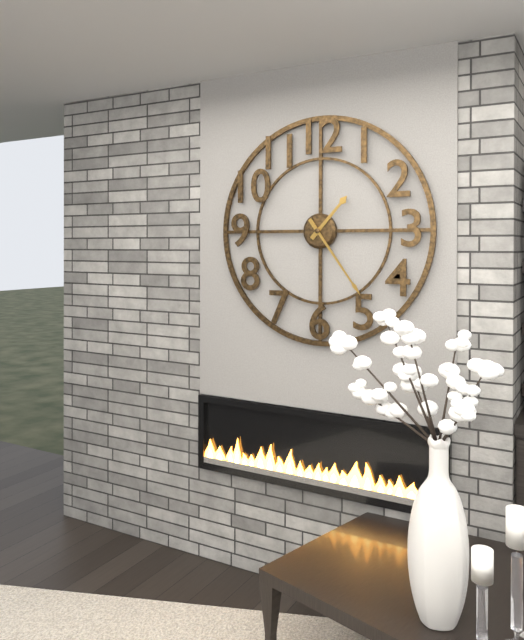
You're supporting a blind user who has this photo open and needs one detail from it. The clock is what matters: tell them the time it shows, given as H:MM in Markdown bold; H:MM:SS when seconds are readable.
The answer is **1:24**
